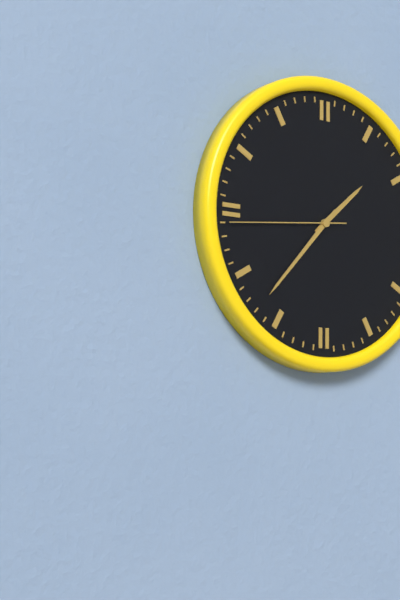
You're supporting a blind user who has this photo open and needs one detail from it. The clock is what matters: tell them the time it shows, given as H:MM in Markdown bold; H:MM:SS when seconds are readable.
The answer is **1:37:44**
